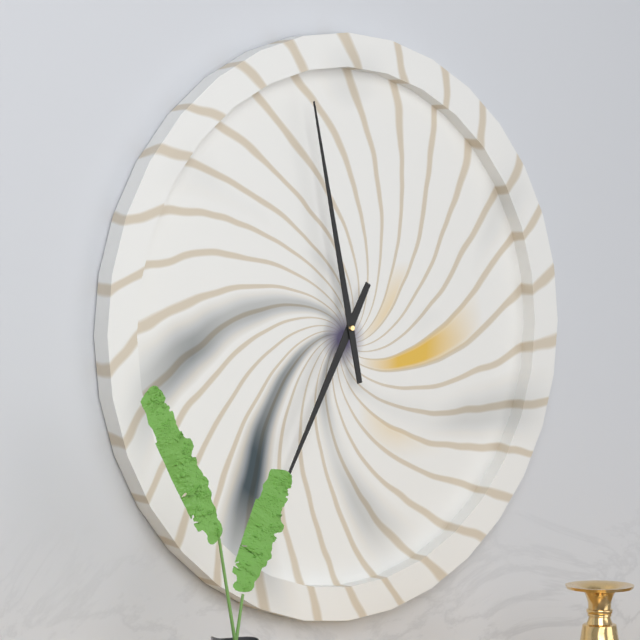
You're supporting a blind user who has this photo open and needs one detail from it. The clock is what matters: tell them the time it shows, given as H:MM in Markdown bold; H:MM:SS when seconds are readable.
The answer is **6:58**
